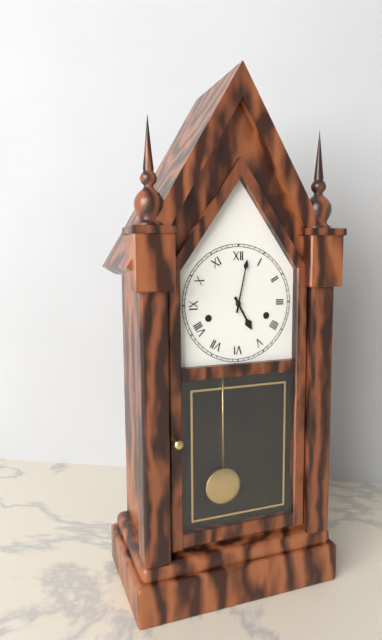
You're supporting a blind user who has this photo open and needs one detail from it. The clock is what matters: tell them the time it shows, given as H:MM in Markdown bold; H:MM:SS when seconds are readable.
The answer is **5:02**
